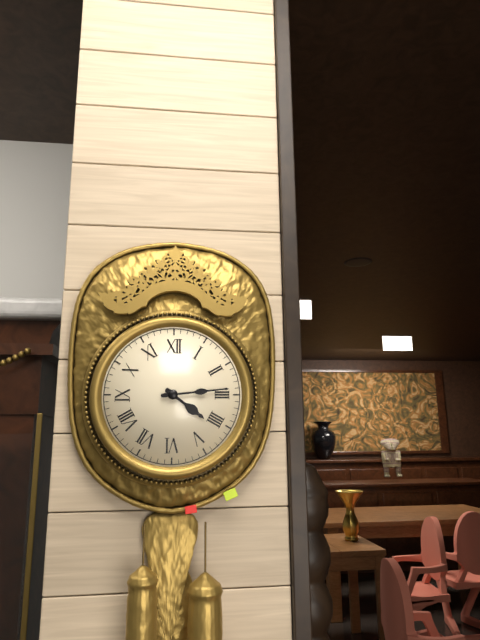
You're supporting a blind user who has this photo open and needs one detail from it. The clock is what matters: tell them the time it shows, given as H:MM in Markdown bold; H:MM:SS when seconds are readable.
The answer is **4:14**
